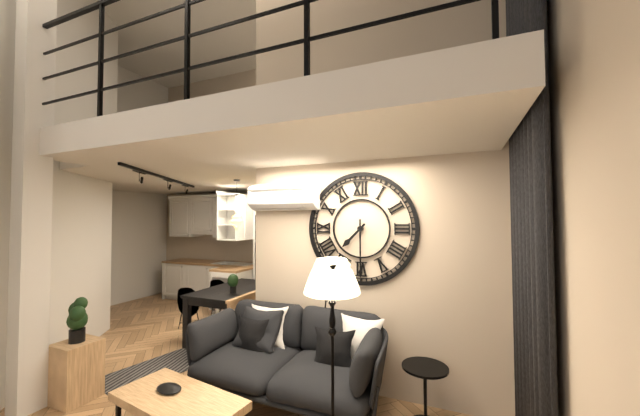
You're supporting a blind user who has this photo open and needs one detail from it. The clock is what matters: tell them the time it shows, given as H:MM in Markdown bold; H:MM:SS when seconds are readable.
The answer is **7:30**
